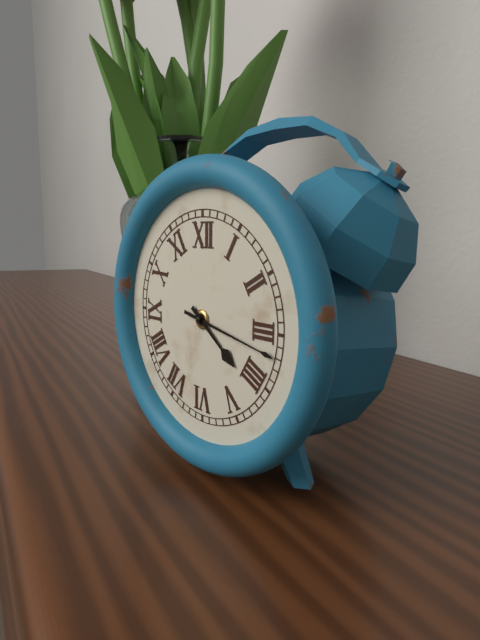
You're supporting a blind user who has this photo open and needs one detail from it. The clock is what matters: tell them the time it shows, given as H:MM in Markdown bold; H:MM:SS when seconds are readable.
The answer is **4:17**
